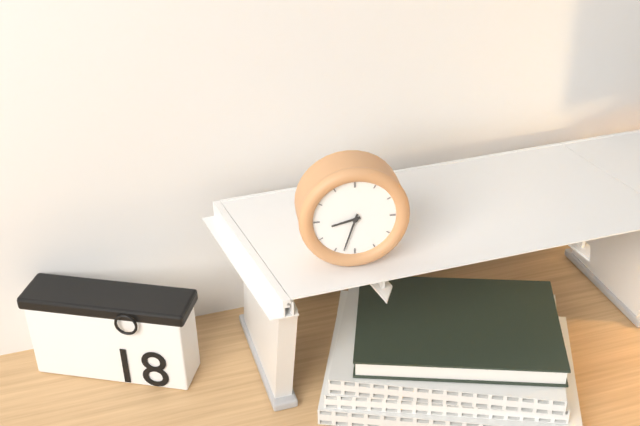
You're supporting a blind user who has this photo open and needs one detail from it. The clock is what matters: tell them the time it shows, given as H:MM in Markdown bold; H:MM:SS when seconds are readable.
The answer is **8:33**
